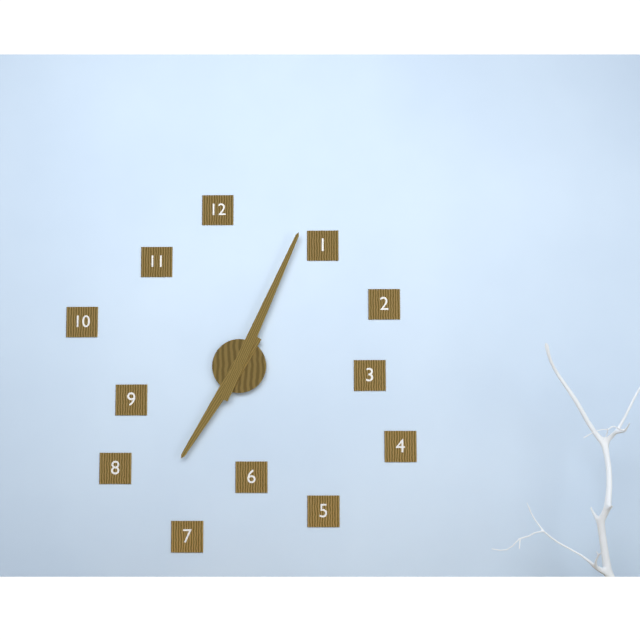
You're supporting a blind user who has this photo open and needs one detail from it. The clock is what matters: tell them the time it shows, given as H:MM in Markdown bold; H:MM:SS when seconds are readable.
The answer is **7:04**
